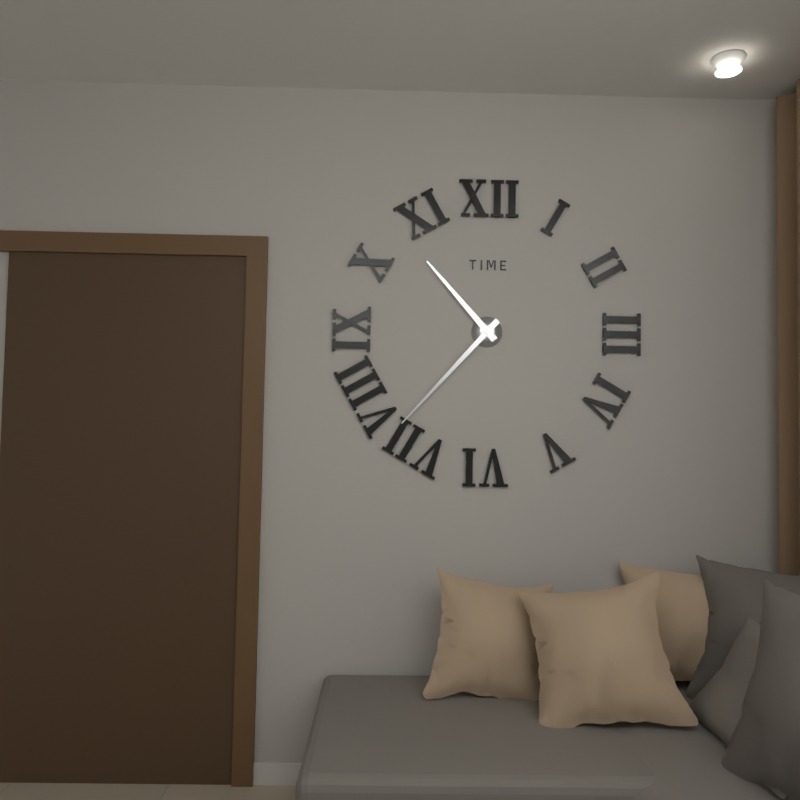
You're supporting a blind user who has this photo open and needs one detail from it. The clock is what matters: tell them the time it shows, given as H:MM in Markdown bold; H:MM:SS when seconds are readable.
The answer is **10:37**
